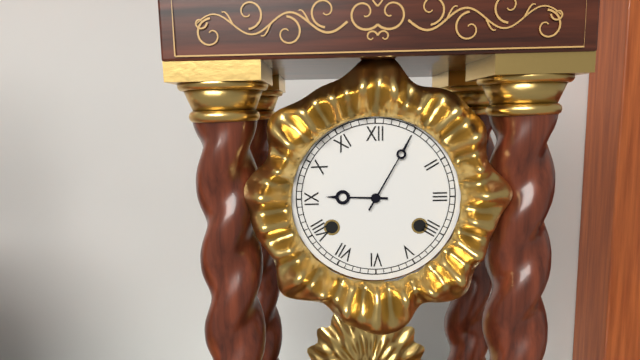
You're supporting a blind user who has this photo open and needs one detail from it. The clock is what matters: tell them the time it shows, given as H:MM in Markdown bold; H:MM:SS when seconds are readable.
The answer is **9:05**
